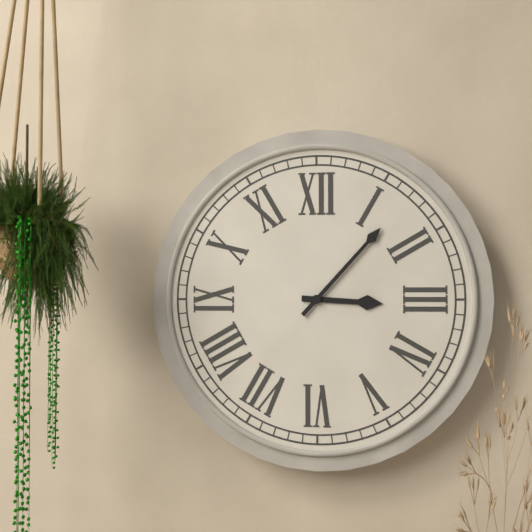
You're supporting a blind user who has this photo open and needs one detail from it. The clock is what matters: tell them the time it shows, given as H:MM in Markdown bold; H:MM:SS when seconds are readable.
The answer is **3:07**
